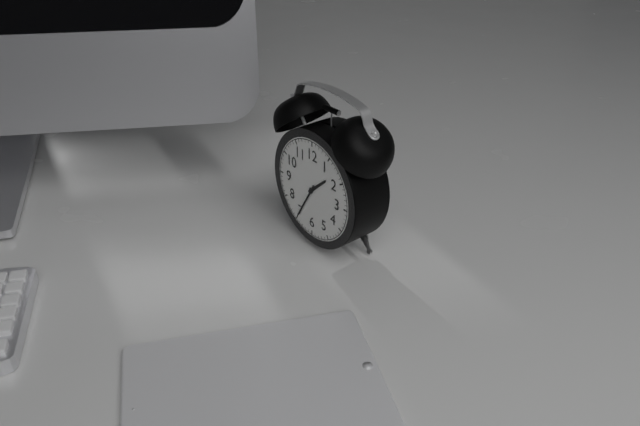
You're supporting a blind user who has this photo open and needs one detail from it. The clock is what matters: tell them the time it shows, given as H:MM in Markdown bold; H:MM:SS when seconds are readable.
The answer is **1:35**
